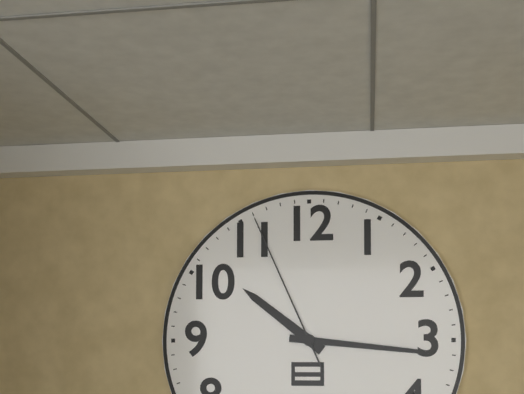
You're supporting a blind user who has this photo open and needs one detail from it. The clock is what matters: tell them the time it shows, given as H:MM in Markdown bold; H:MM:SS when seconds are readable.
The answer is **10:16:56**
